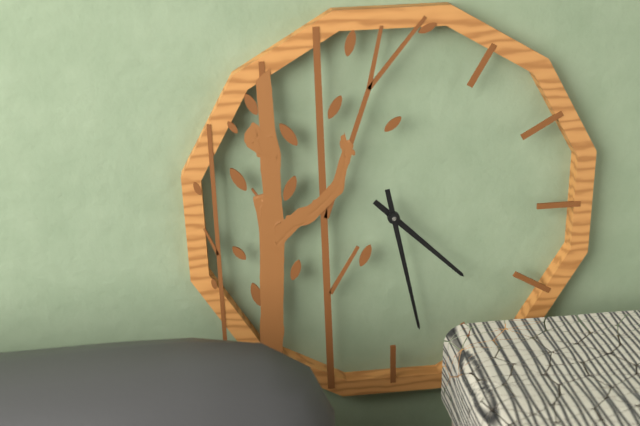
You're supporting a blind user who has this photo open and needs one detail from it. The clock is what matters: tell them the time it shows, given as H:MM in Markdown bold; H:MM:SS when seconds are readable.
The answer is **4:28**
